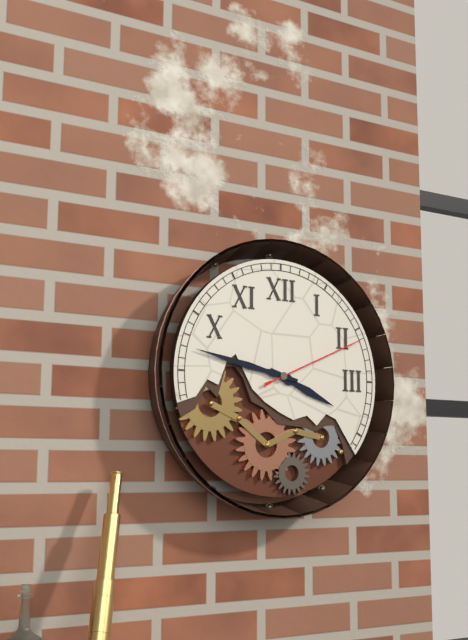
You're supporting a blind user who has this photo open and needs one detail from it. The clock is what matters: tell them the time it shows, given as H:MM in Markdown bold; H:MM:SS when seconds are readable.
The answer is **3:47:11**
